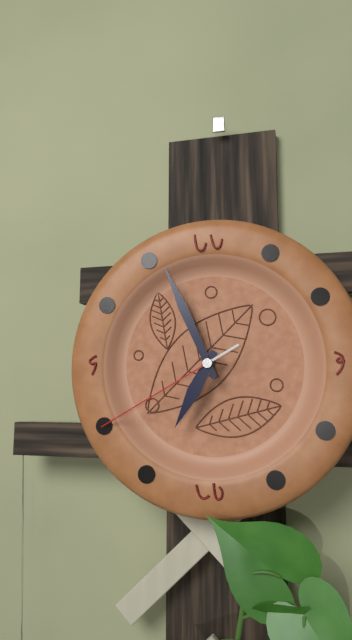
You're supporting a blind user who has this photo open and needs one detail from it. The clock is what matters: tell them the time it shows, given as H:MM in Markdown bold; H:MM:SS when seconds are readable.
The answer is **6:56:40**
